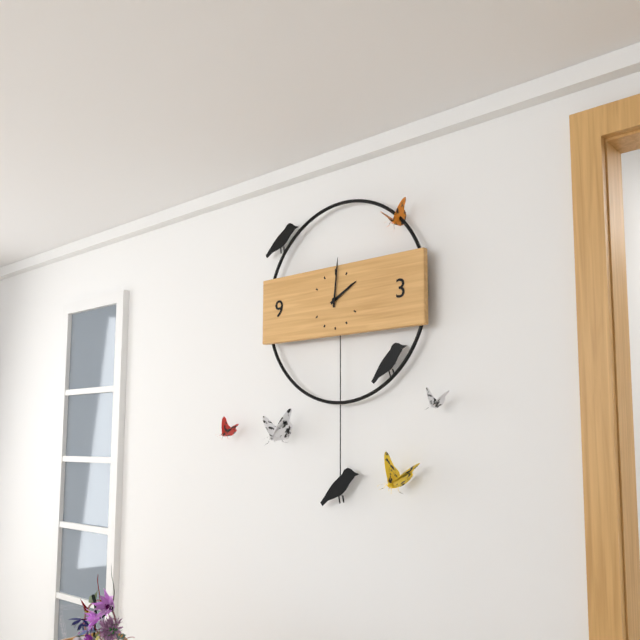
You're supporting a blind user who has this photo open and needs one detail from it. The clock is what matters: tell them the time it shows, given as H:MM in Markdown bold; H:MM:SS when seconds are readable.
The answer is **2:01**
